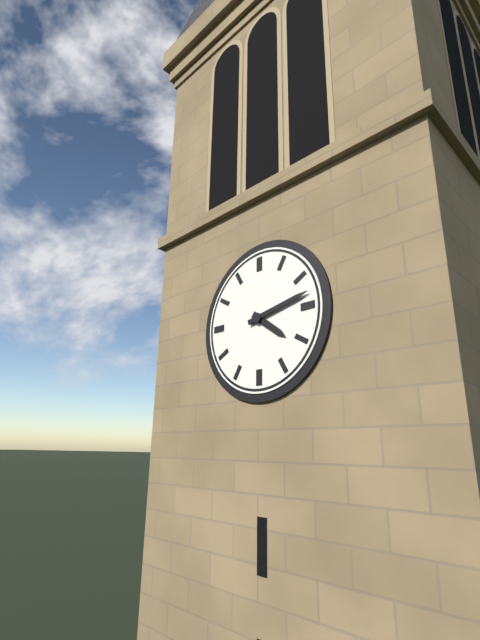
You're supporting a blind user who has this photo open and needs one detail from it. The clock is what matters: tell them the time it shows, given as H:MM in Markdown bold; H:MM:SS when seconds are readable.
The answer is **4:13**
